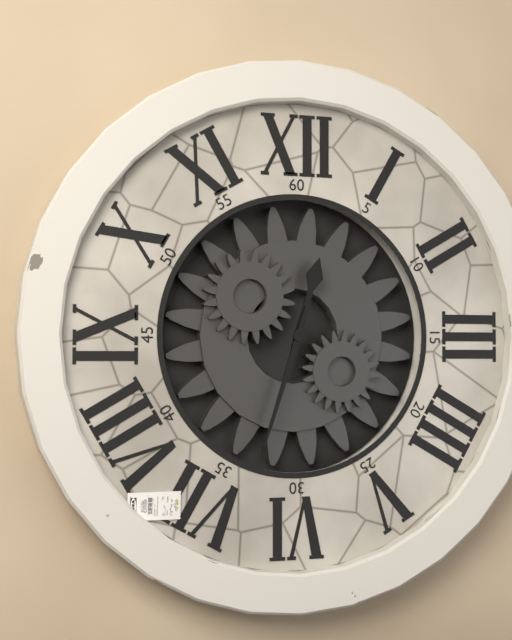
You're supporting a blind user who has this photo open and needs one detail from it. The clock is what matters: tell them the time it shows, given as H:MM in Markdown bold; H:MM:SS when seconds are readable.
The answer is **12:33**
